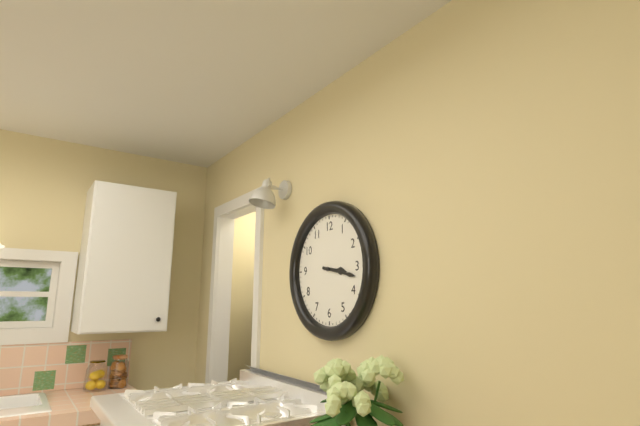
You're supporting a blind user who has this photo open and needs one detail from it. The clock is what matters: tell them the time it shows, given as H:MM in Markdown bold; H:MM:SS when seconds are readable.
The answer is **3:17**
